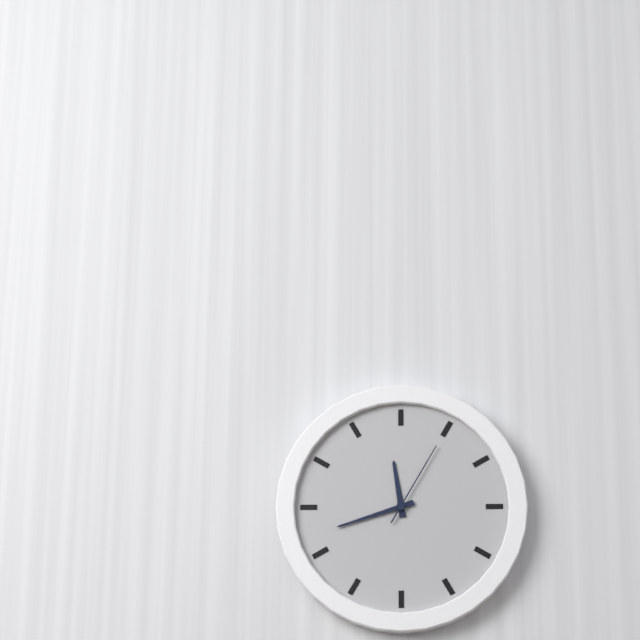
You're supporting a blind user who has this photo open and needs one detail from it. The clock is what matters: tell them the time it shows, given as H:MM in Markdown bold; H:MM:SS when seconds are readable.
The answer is **11:42:05**
